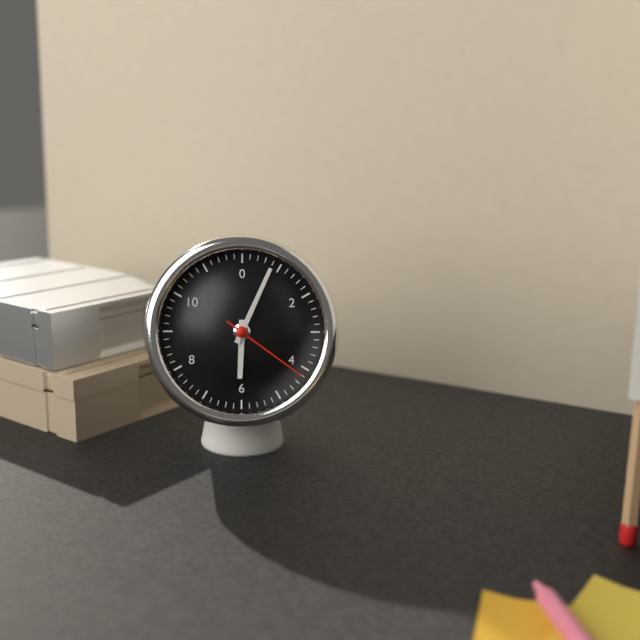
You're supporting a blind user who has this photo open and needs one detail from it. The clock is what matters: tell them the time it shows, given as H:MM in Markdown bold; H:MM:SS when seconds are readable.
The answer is **6:04:21**
